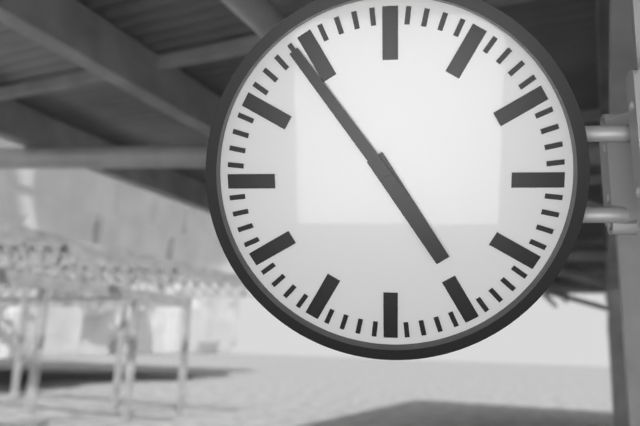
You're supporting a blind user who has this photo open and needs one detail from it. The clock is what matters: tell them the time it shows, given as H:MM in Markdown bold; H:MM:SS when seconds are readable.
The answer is **4:54**
